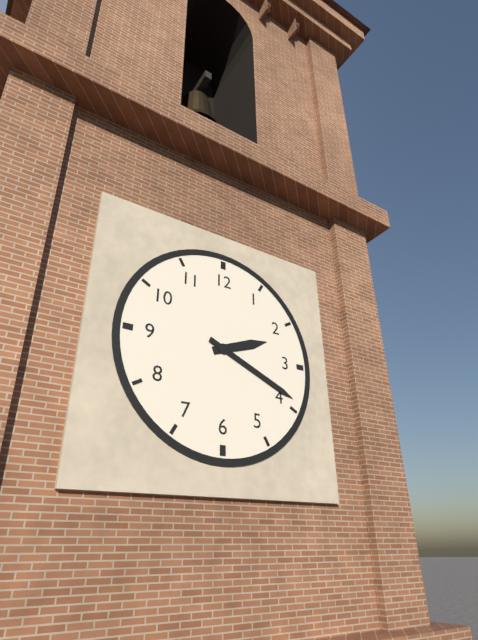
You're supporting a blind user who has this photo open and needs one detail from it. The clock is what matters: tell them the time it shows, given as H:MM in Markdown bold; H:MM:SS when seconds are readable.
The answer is **2:19**
